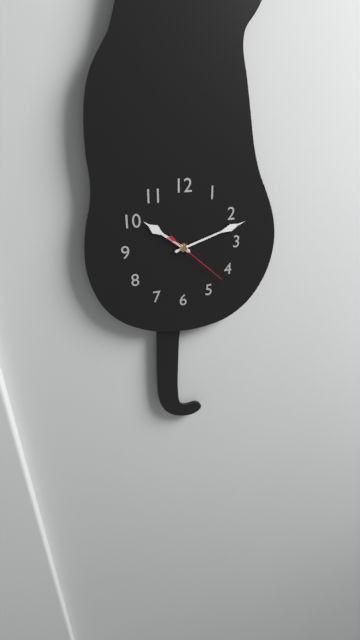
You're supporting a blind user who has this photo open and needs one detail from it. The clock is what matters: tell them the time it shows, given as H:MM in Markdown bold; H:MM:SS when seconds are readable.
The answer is **10:12:22**
